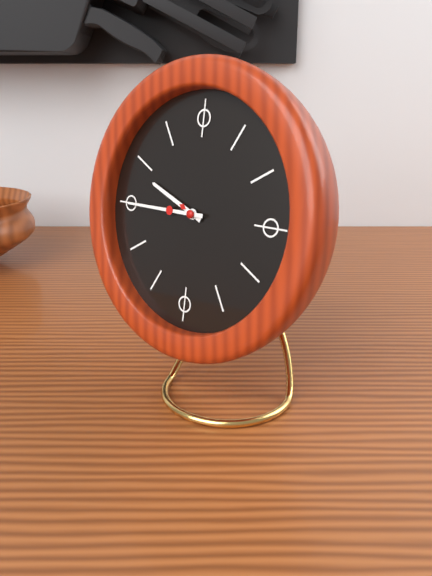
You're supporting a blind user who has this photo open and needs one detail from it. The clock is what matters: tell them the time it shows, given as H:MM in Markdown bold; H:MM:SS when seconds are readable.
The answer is **9:45**
